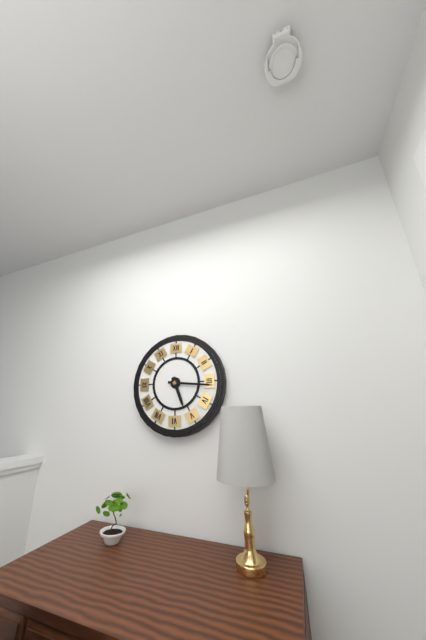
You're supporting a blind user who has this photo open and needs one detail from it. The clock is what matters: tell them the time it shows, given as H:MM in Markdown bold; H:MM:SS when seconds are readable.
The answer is **5:16**
